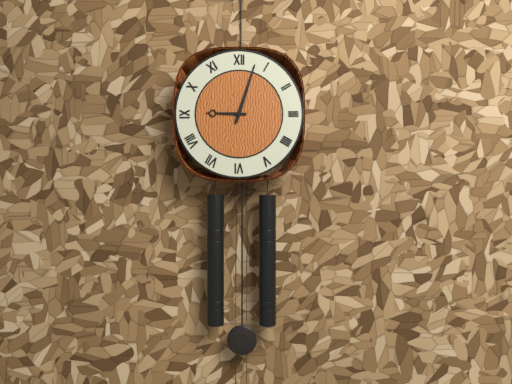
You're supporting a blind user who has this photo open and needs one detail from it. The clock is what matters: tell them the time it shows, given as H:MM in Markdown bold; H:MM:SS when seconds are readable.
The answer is **9:03**
